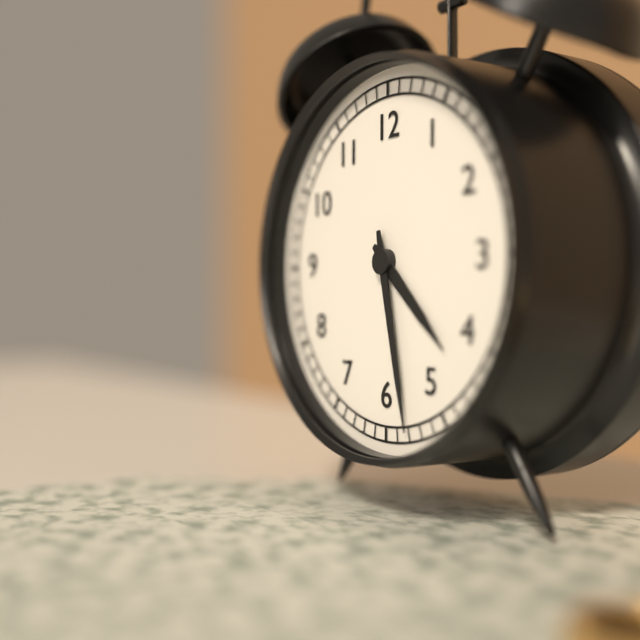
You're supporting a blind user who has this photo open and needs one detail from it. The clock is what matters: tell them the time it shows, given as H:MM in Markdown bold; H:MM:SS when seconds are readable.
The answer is **4:28**
